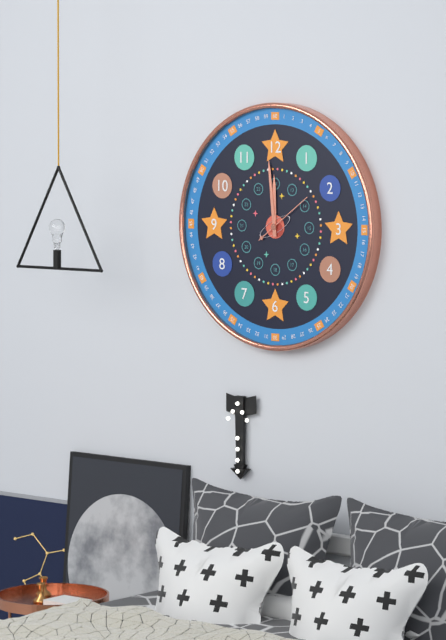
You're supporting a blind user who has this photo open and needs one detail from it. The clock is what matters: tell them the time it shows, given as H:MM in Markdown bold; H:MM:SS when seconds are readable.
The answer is **11:59**
